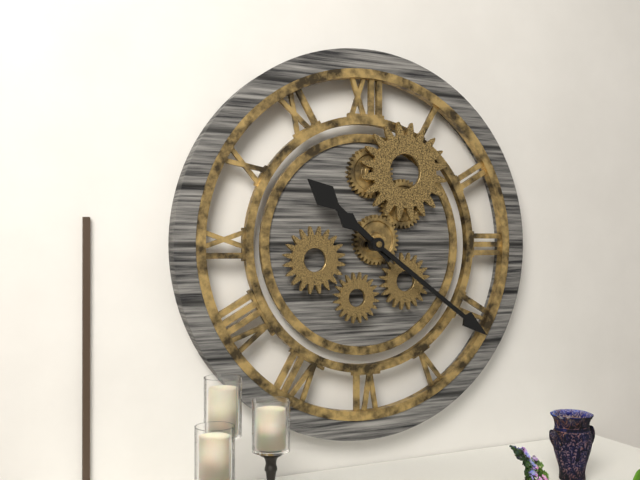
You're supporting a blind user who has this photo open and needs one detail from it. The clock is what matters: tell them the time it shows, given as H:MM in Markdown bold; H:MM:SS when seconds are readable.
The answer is **10:21**
